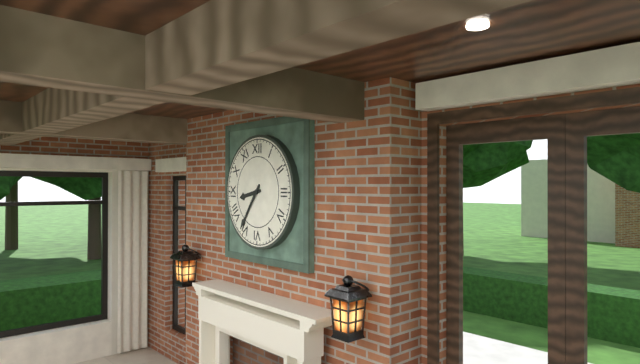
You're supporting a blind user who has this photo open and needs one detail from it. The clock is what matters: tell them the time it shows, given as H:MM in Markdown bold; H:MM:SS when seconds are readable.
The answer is **8:36**
